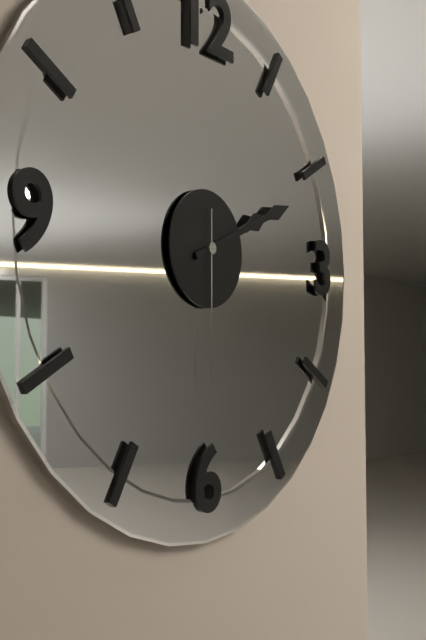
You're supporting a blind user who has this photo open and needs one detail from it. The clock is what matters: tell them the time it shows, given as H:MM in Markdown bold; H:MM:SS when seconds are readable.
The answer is **2:11:30**
